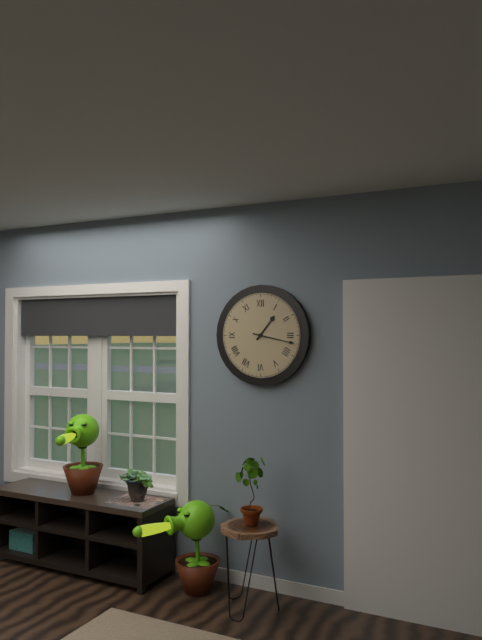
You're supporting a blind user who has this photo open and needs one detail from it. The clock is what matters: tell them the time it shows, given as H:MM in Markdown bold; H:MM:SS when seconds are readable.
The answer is **1:17**
